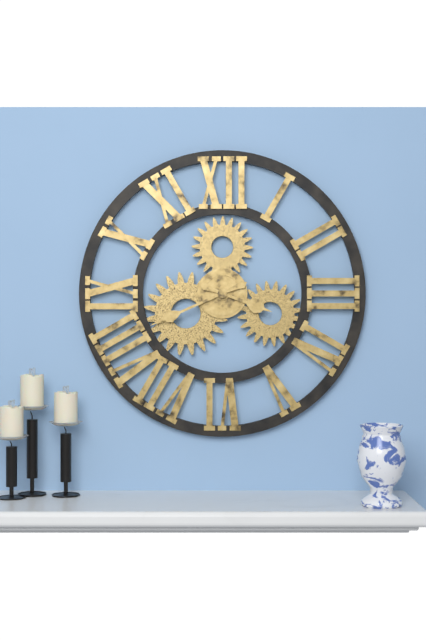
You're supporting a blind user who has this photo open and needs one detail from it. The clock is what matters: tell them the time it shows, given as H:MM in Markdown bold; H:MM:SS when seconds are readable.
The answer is **3:41**
